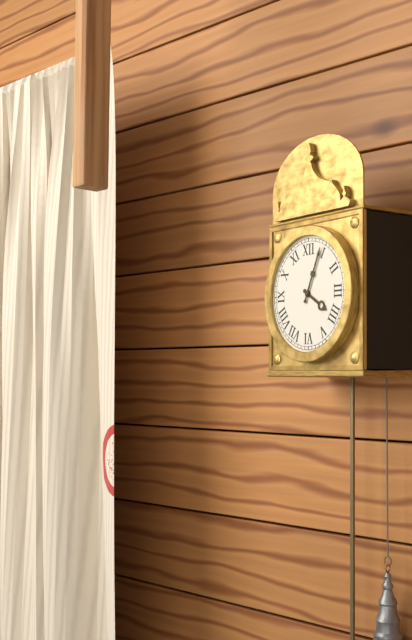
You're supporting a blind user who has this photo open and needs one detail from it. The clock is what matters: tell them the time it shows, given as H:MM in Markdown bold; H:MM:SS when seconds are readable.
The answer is **4:04**
